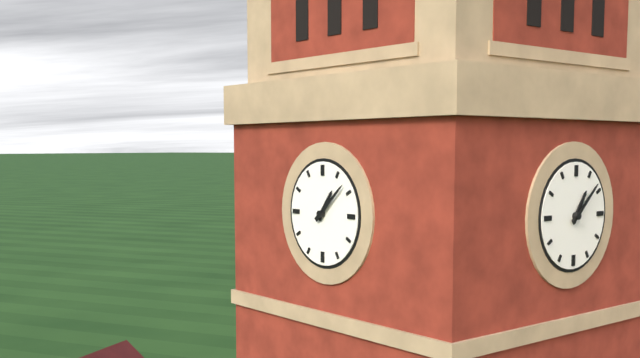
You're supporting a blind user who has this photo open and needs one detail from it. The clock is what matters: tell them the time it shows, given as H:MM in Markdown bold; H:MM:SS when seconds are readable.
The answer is **1:08**
